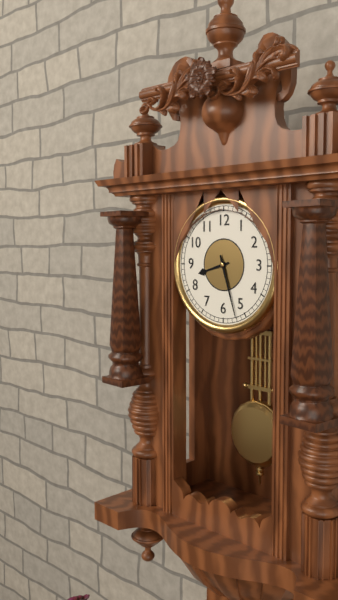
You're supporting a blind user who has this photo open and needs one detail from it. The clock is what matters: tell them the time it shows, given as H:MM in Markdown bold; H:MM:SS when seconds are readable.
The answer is **8:27**
